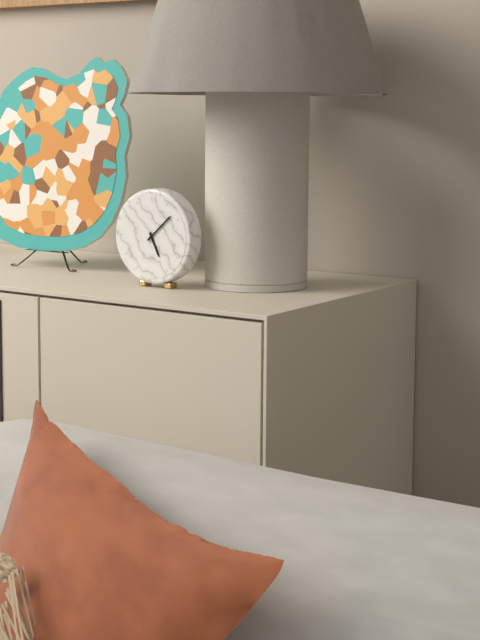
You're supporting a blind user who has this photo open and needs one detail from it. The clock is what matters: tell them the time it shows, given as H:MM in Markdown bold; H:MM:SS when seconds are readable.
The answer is **5:08**
